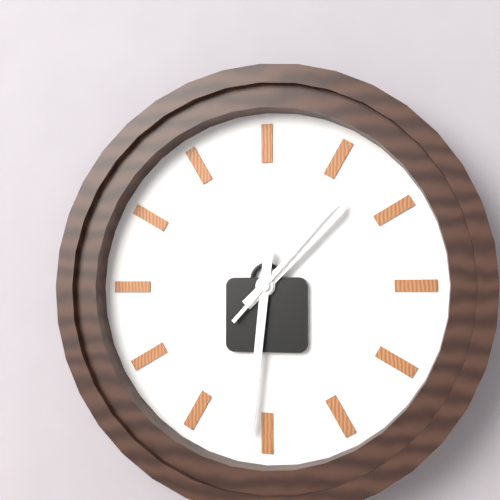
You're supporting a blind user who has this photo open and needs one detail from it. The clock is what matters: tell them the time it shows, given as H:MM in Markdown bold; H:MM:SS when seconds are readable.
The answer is **1:31:07**
